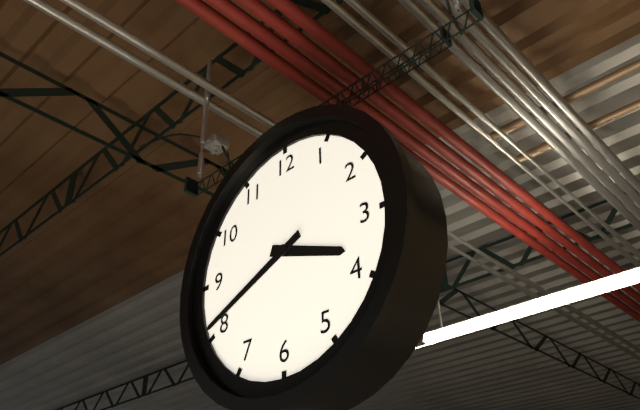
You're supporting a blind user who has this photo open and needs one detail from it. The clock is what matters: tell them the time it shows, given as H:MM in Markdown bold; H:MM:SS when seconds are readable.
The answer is **3:41**
